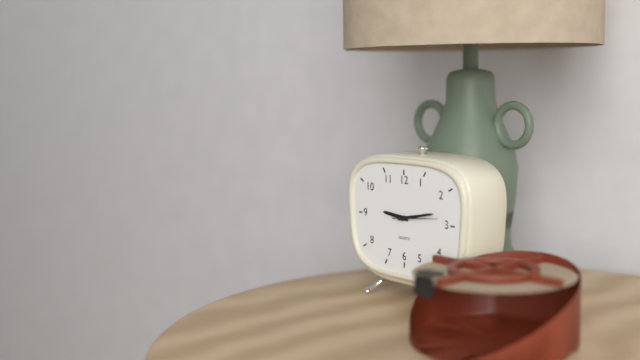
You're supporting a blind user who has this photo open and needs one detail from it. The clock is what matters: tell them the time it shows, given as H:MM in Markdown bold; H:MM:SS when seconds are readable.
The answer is **9:13**
